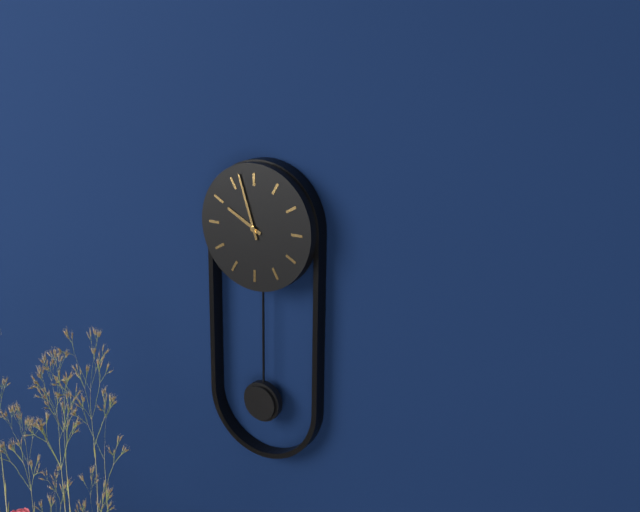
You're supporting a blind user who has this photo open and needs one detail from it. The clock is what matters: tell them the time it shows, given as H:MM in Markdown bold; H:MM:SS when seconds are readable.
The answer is **9:57**
